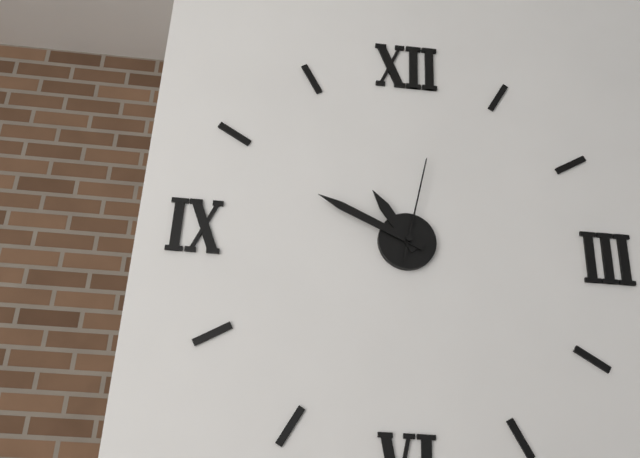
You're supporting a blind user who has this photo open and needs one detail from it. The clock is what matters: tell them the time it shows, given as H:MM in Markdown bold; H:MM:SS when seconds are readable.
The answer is **10:49:02**
